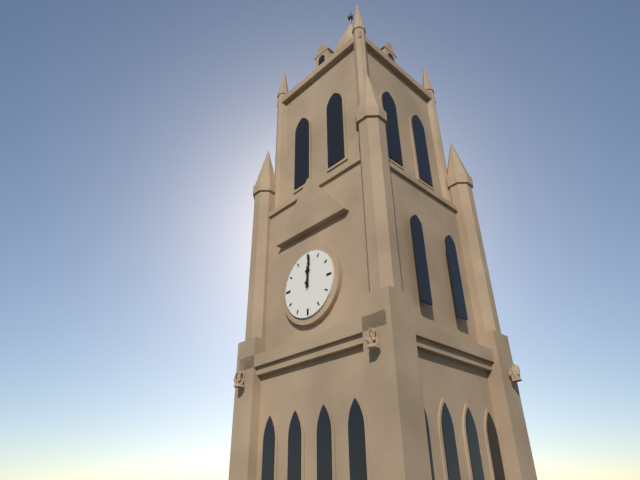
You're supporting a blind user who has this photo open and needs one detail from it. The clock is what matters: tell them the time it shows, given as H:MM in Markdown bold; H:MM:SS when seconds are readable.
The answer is **12:01**
